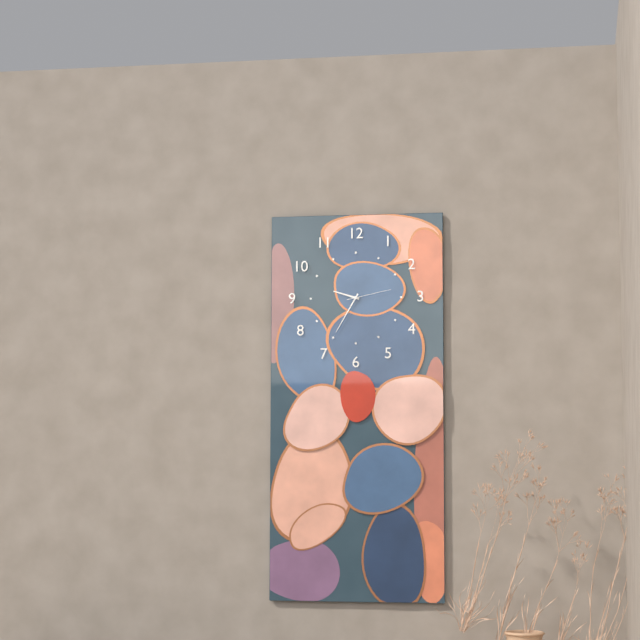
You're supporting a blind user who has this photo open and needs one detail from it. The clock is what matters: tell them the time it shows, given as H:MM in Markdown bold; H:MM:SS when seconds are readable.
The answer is **9:35**
